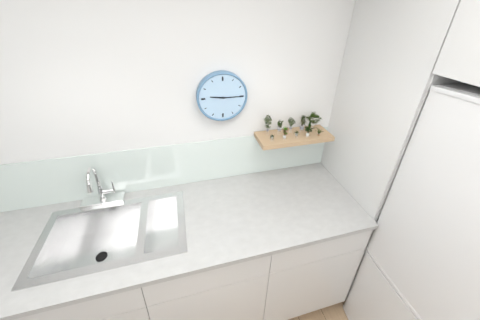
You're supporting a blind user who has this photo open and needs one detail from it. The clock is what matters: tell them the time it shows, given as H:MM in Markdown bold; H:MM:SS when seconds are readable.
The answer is **9:15**
